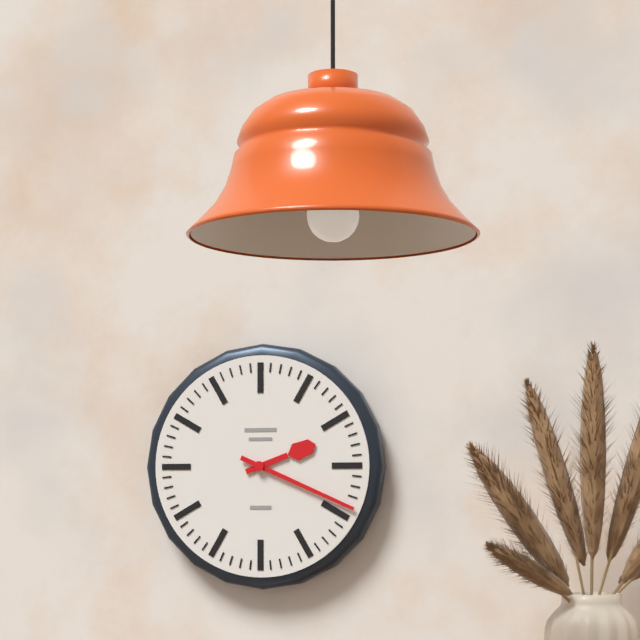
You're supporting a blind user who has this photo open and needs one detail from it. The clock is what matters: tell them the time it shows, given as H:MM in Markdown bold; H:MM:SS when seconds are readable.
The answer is **2:19**
